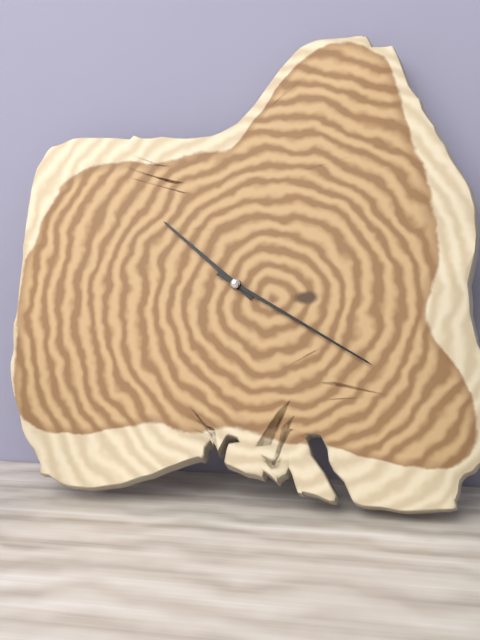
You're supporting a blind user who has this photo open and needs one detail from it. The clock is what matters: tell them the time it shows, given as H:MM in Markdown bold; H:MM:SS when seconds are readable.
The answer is **10:20**
